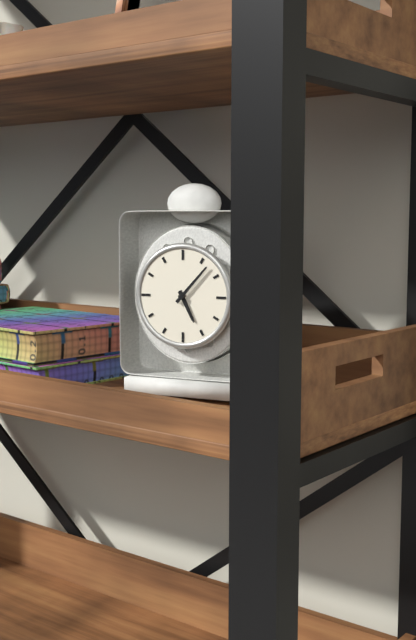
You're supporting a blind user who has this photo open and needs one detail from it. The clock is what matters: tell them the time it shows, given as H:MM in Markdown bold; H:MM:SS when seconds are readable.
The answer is **5:07**
